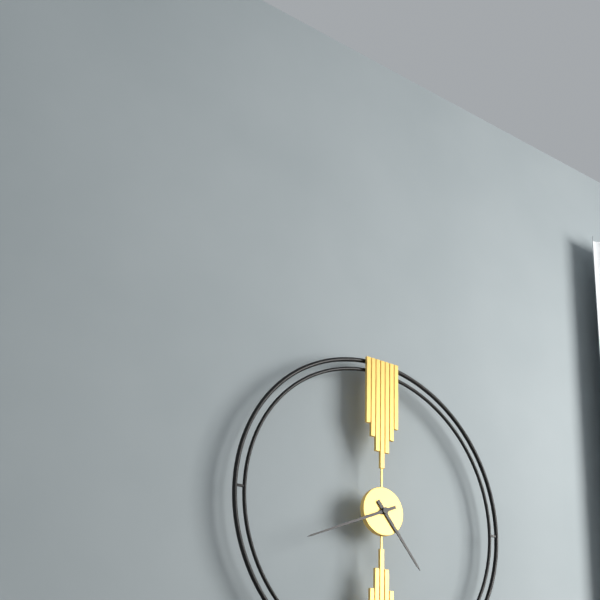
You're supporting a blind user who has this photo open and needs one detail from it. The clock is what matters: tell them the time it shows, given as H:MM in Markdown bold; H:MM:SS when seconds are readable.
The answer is **4:41**
